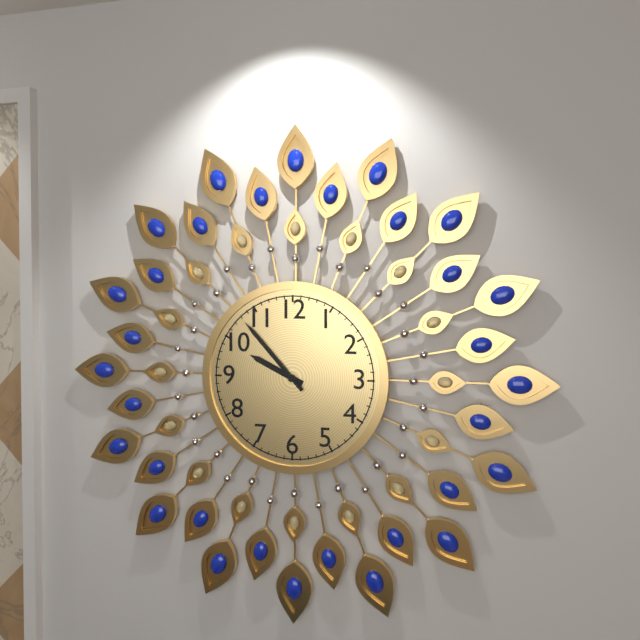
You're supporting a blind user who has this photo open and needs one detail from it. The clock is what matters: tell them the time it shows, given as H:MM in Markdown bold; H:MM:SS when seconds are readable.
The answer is **9:53**
